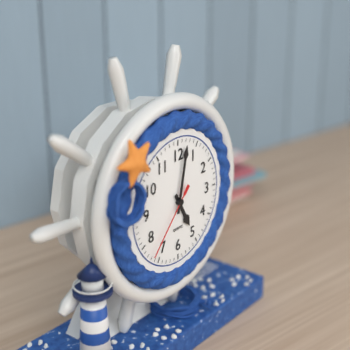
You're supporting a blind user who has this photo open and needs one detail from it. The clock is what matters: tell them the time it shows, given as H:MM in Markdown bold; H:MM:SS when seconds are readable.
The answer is **5:02:37**
